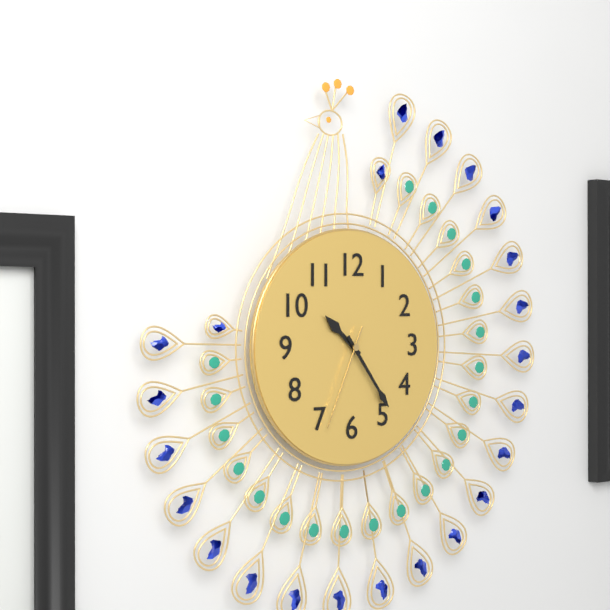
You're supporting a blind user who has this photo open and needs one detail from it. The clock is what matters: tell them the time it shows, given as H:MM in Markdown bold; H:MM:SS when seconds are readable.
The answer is **10:24:34**
